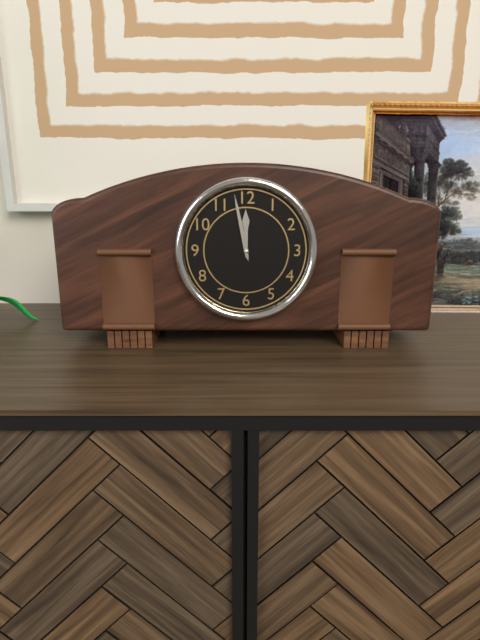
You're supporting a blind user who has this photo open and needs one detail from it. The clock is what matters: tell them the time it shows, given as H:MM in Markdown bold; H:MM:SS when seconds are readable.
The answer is **11:58**
